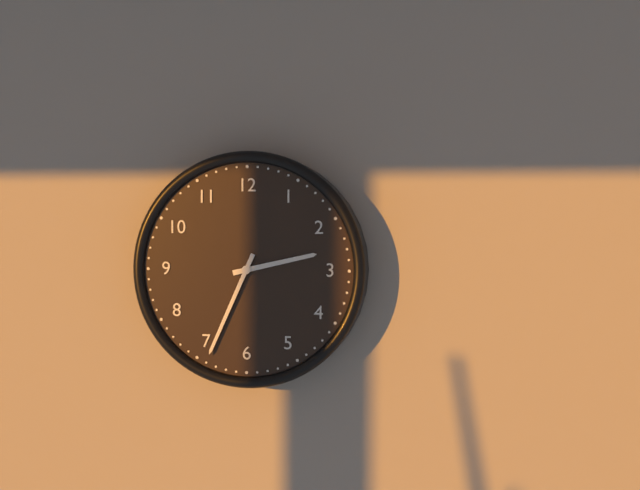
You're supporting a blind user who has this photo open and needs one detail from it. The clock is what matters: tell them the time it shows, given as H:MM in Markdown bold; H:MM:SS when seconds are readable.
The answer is **2:34**
